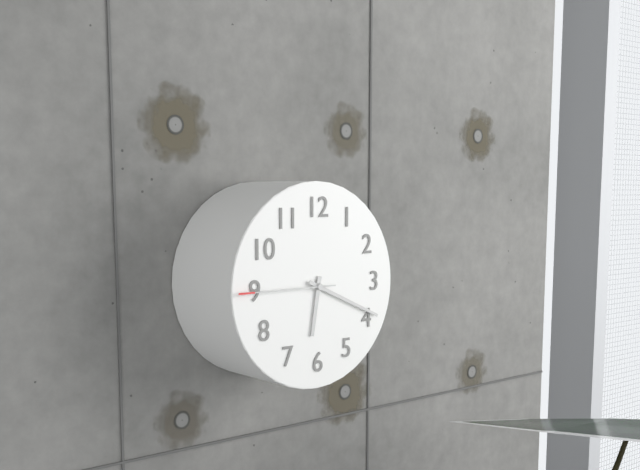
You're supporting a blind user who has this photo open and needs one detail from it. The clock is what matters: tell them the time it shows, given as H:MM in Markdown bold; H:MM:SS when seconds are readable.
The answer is **6:19:45**
